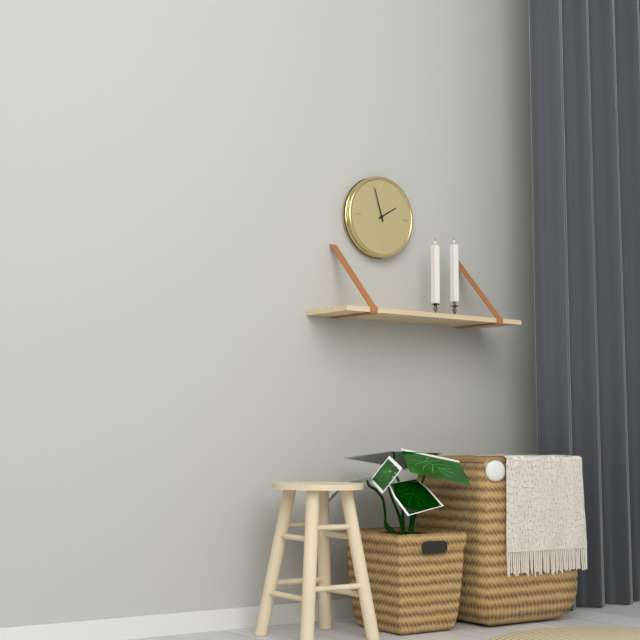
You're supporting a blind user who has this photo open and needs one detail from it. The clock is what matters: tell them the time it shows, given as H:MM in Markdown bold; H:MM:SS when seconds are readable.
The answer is **1:57**
